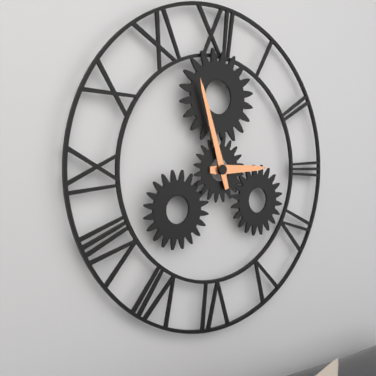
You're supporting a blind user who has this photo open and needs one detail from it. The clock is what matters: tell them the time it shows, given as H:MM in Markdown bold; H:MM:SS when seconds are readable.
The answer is **2:57**
